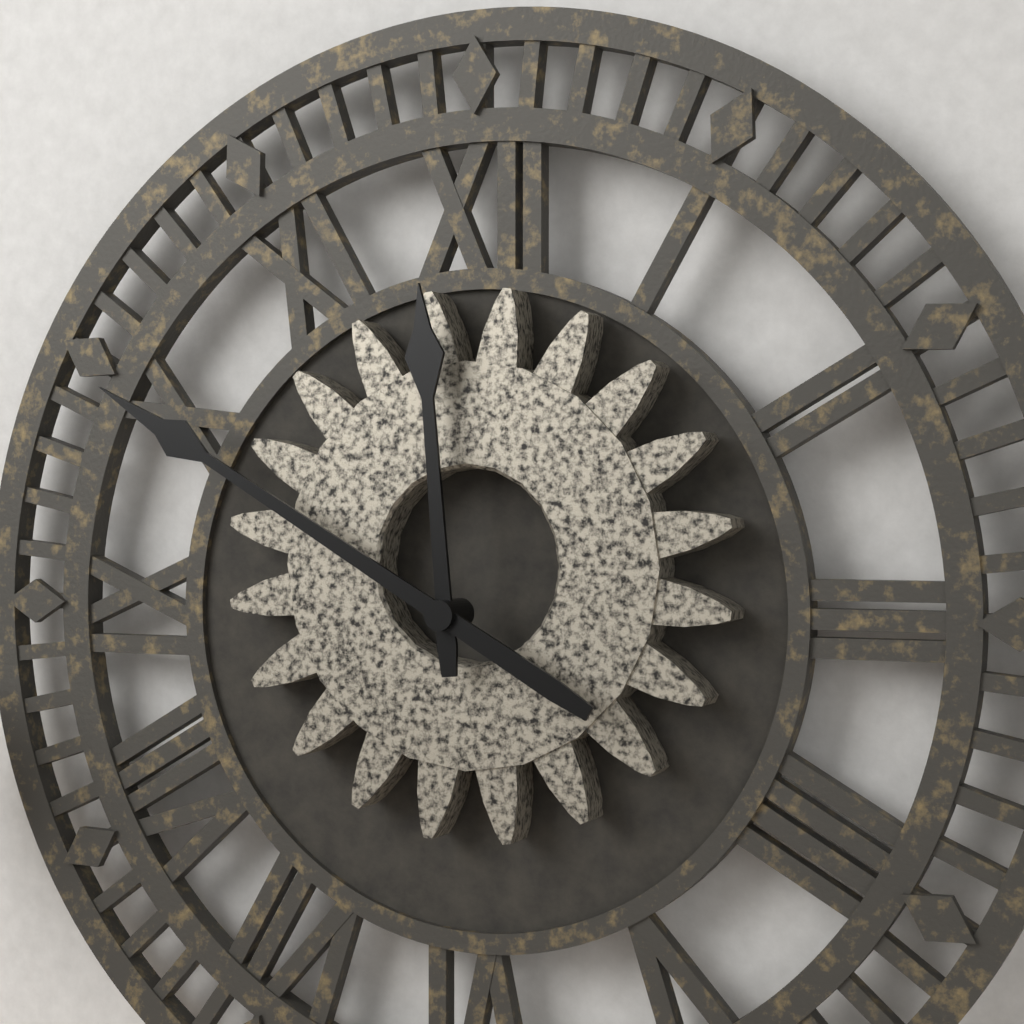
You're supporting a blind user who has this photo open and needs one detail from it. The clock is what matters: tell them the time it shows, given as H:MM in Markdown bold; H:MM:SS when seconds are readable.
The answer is **11:50**
